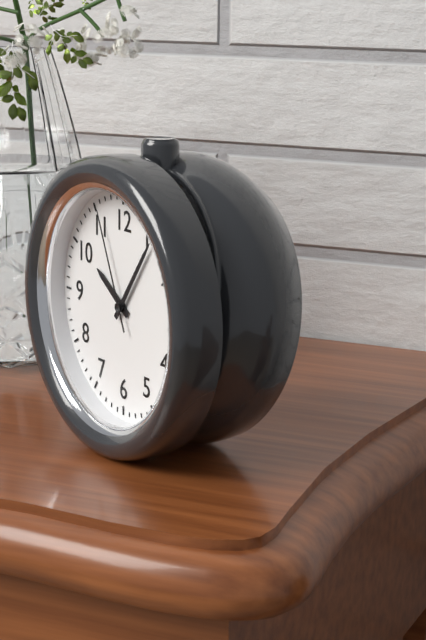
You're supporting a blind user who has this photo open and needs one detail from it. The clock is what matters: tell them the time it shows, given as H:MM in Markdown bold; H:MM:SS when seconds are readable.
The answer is **10:06:56**
